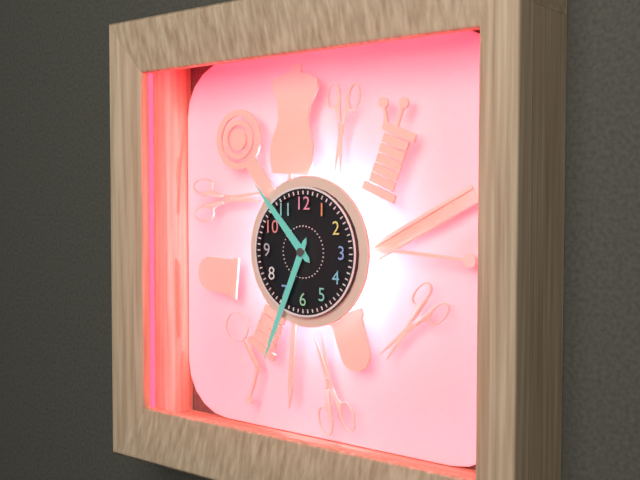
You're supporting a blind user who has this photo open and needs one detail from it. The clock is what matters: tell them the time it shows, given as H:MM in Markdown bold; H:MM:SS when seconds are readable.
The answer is **10:34**
